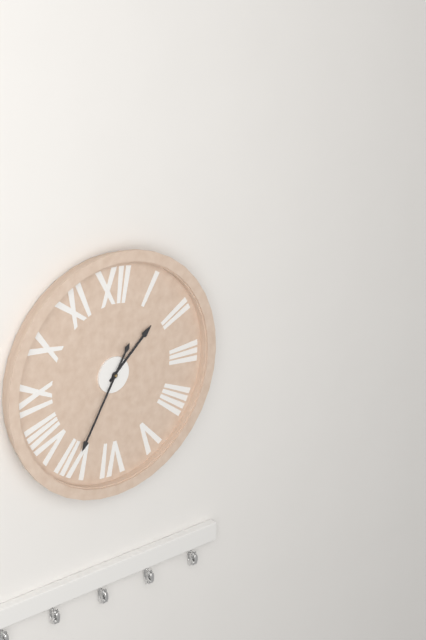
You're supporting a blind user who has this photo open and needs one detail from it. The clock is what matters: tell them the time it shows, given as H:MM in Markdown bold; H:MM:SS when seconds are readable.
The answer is **1:35**
